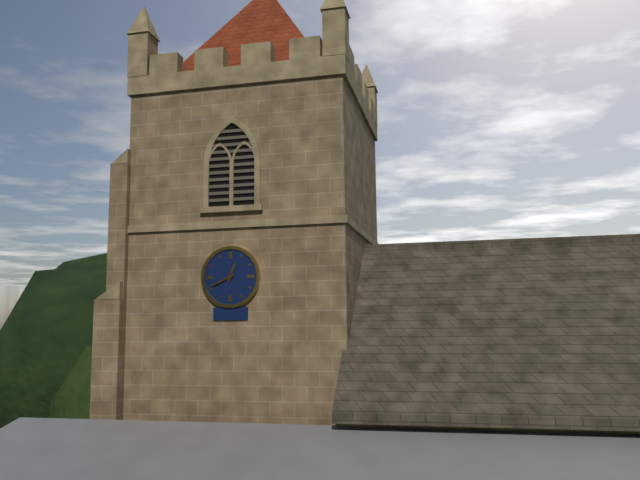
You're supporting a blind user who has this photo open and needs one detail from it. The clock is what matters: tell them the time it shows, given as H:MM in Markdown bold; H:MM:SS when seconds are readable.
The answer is **12:41**
